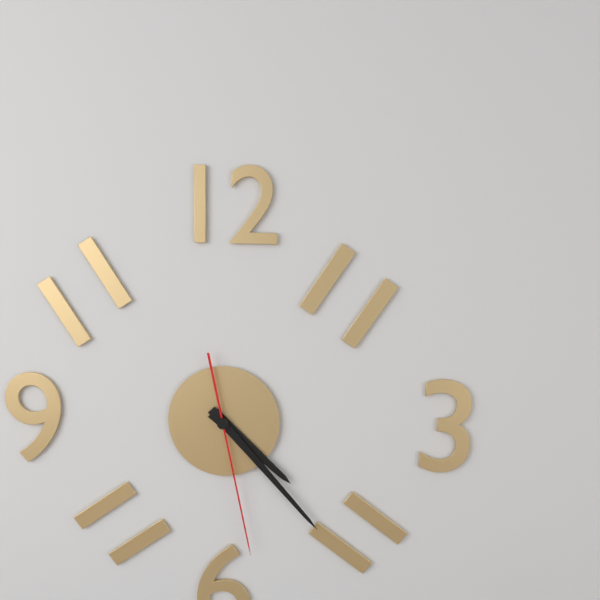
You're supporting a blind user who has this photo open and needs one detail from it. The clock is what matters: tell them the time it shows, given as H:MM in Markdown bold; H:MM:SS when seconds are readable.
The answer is **4:23:28**
